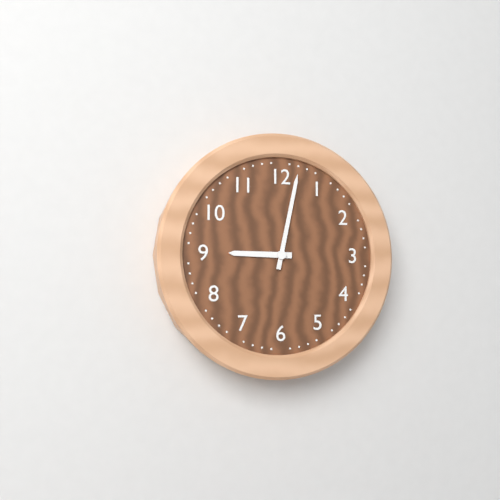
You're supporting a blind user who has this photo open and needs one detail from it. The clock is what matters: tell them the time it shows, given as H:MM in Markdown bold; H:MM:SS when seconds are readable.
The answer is **9:02**
